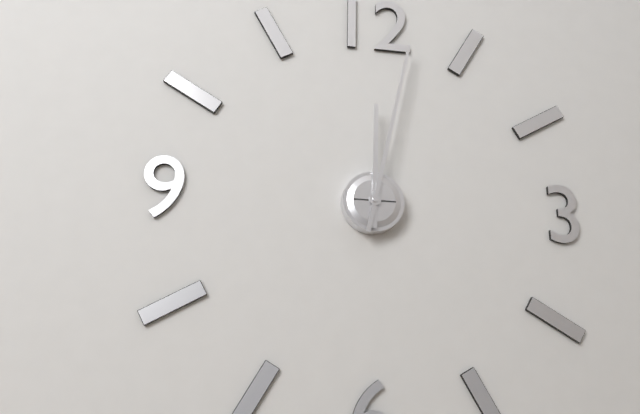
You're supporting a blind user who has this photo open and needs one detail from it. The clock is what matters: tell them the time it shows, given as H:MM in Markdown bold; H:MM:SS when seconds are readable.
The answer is **12:02**
